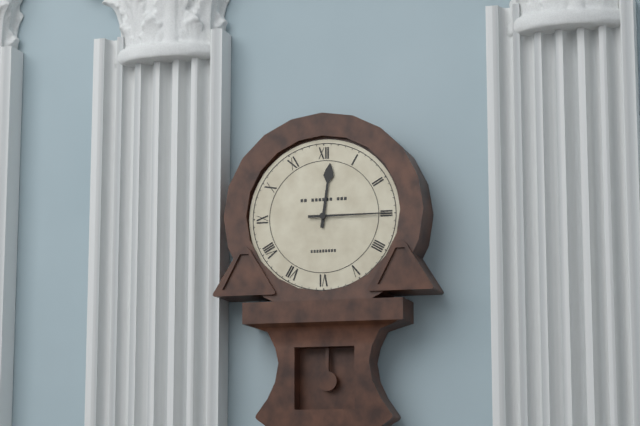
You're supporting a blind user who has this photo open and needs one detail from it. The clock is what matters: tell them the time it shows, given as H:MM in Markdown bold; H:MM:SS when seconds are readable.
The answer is **12:15**
